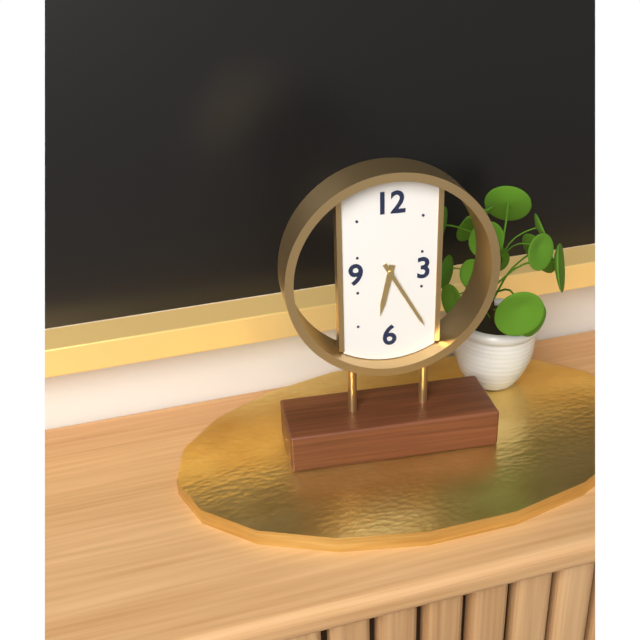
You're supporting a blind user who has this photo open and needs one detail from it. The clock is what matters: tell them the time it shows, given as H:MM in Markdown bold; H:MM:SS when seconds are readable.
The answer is **6:25**
